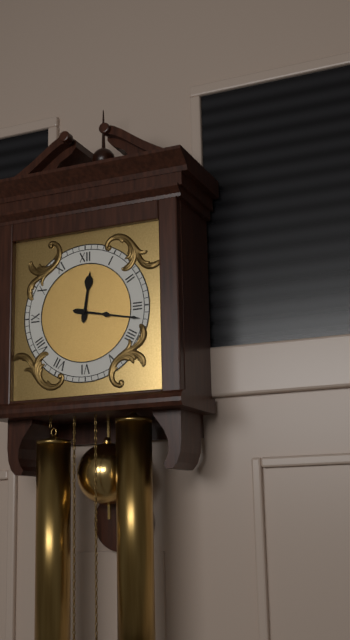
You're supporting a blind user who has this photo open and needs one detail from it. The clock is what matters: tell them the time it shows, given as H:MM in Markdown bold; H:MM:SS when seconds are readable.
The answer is **12:17**
